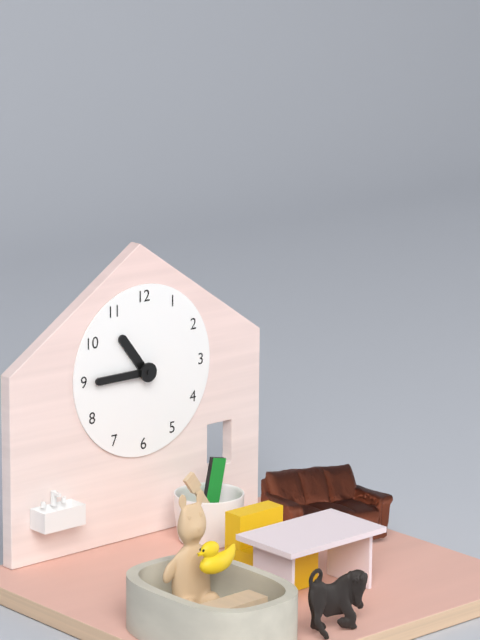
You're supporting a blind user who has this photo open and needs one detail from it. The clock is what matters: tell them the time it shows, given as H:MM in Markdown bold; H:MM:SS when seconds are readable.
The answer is **10:45**
